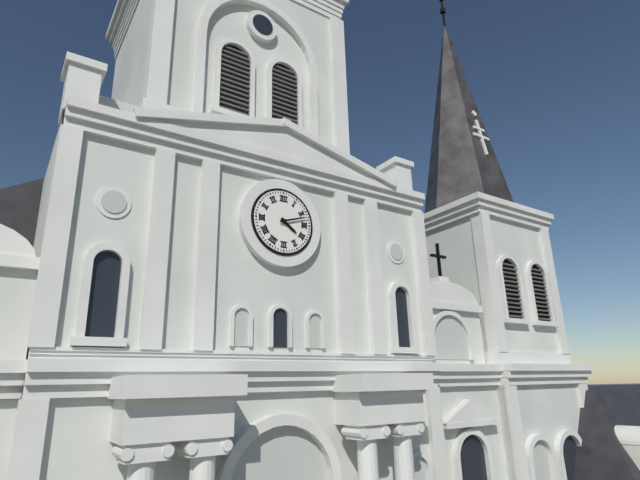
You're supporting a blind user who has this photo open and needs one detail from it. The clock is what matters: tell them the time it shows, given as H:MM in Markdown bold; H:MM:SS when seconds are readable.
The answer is **4:12**
